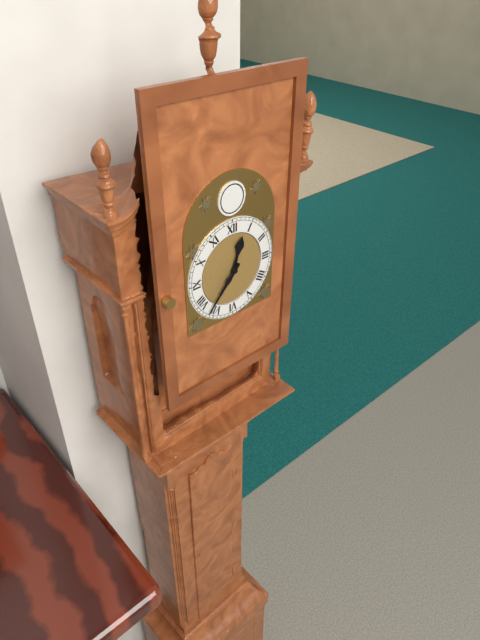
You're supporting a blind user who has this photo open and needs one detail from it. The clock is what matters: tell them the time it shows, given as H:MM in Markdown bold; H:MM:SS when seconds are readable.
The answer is **12:37**
